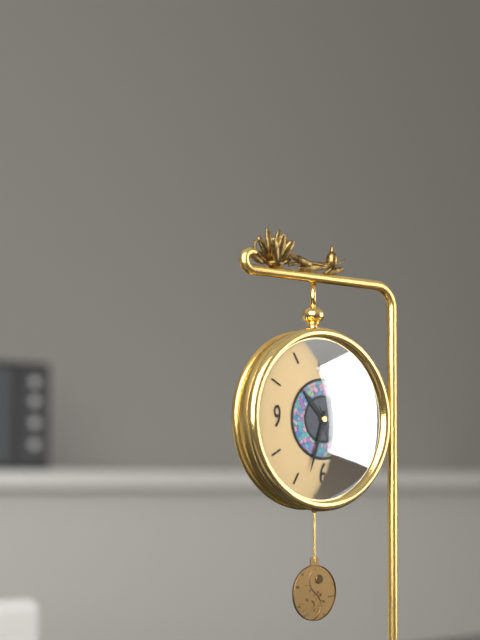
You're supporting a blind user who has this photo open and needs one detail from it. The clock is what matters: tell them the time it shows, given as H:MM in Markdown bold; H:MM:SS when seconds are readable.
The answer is **10:33:26**
